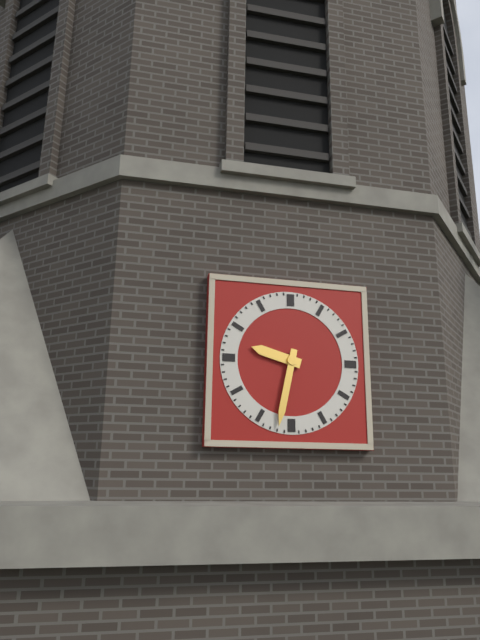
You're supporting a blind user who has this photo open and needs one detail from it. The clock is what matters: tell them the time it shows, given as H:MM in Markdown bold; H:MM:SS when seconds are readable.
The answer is **9:32**
